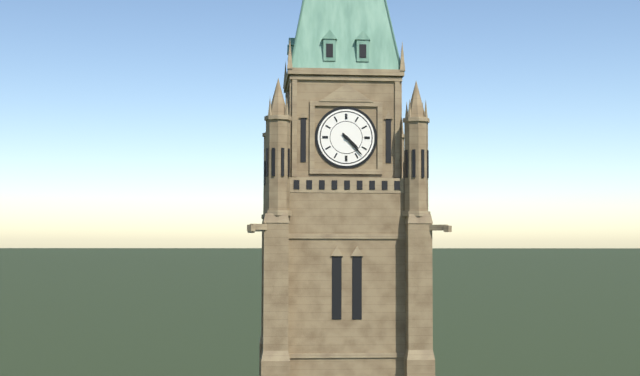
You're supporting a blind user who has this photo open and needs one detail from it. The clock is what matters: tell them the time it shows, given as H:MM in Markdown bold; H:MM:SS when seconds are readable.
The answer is **4:23**
